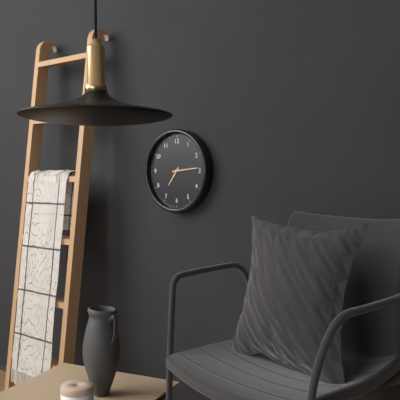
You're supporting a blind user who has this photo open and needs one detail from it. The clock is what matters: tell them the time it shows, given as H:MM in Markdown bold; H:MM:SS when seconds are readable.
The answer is **7:14**
